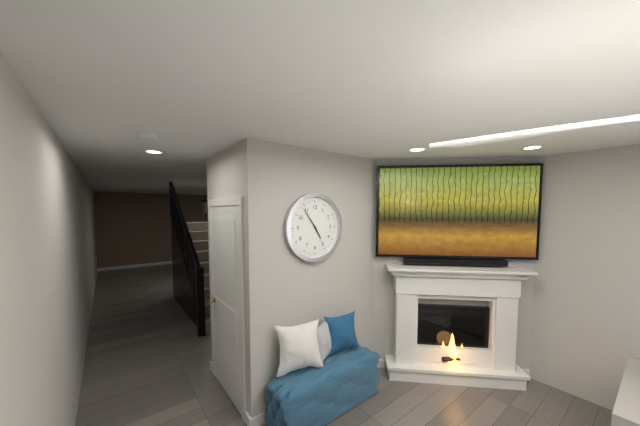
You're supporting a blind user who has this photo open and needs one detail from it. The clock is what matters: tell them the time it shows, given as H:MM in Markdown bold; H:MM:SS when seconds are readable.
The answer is **4:54**
